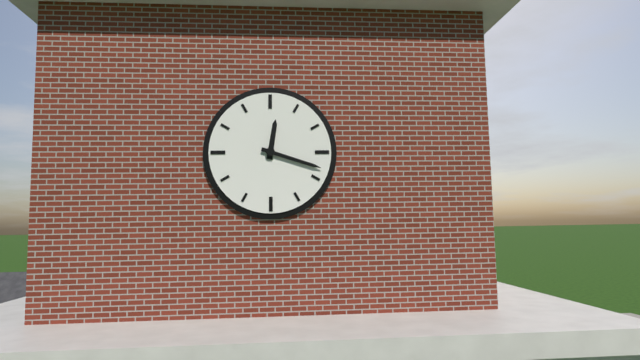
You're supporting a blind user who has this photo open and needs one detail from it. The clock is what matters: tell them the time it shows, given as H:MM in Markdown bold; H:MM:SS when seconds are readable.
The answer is **12:18**
